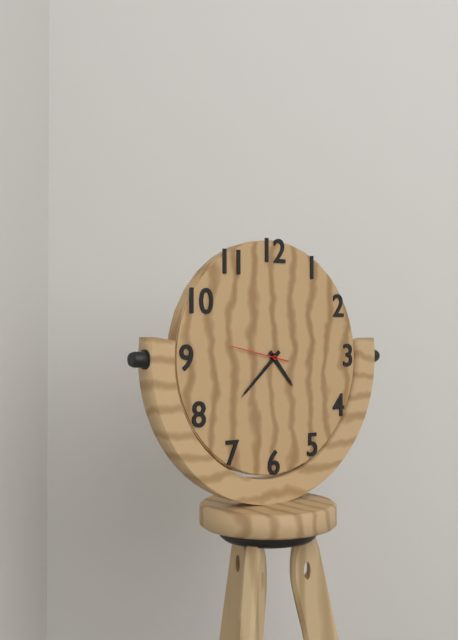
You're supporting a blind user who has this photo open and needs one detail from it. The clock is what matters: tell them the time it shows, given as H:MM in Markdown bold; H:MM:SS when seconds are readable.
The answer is **4:38:47**
